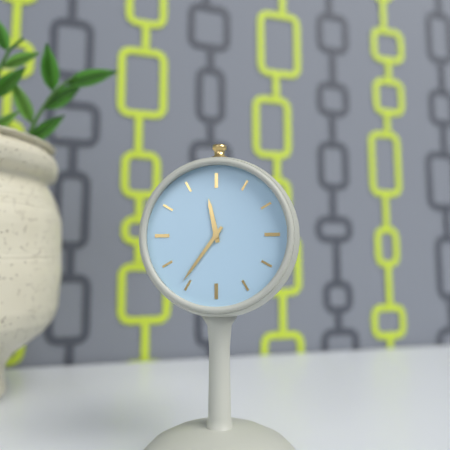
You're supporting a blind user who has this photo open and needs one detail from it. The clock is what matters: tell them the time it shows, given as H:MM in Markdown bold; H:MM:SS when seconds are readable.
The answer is **11:36**
